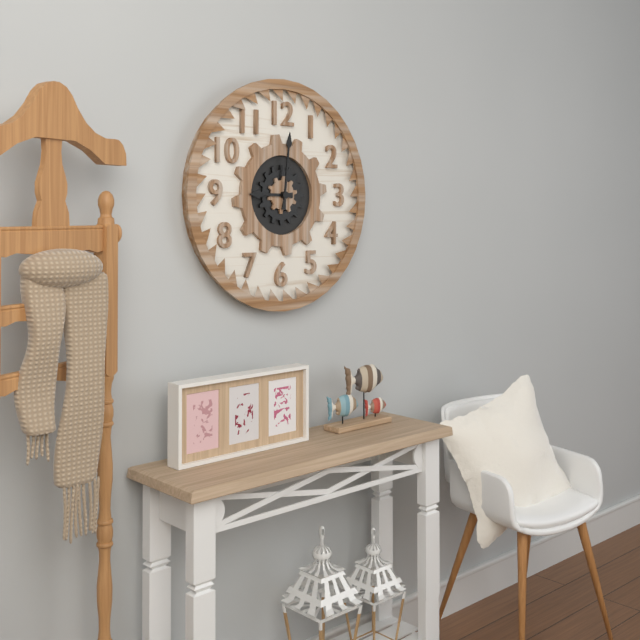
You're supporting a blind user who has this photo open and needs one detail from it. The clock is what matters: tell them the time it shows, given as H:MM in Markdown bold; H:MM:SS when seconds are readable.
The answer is **9:01**
